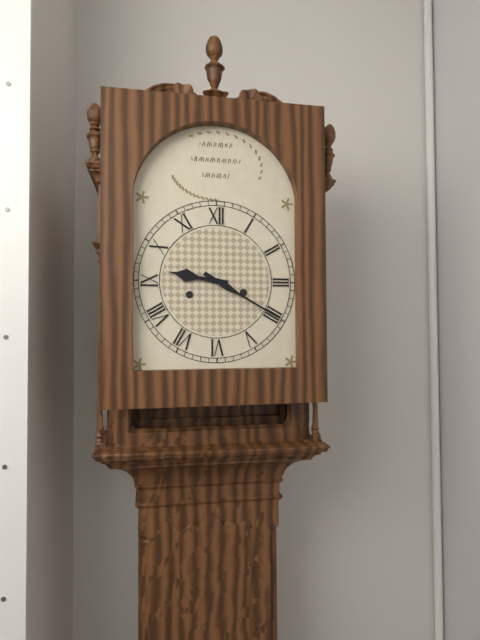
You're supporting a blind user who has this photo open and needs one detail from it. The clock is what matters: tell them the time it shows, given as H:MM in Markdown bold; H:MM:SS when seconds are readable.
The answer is **9:20**
